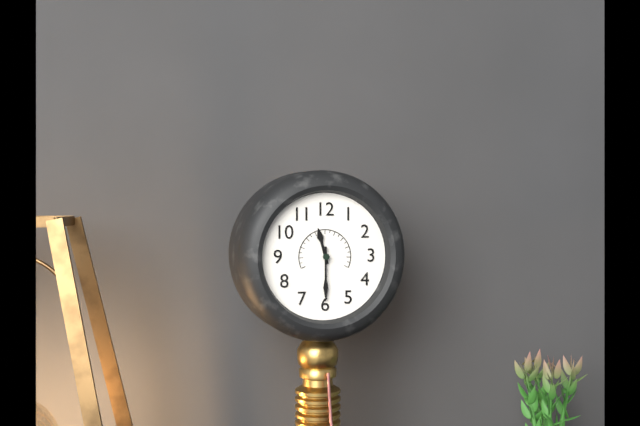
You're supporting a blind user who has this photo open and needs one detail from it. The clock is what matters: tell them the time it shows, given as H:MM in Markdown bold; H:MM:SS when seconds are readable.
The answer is **11:30**
